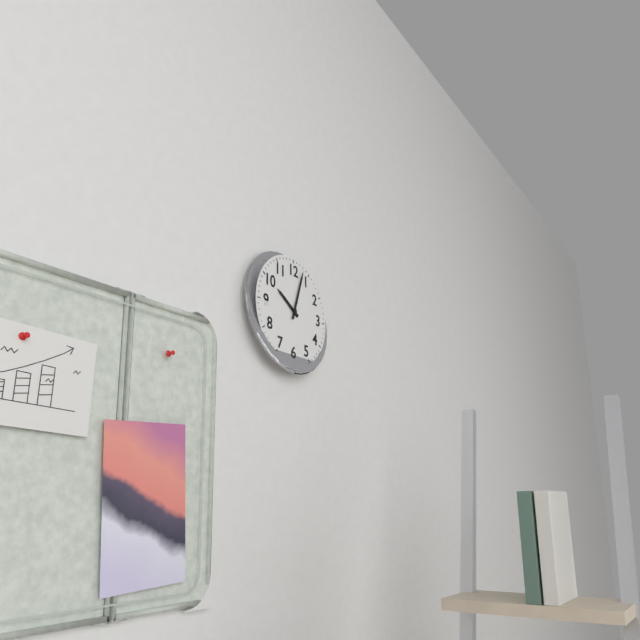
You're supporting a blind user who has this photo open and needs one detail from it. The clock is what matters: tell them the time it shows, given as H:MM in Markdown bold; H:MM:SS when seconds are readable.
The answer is **10:03**
